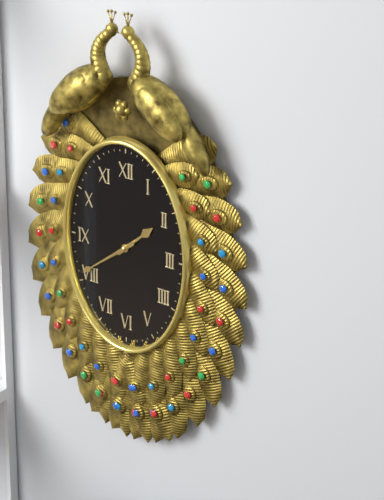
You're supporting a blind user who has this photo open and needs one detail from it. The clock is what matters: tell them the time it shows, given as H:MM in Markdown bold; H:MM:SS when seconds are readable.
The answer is **1:39**
